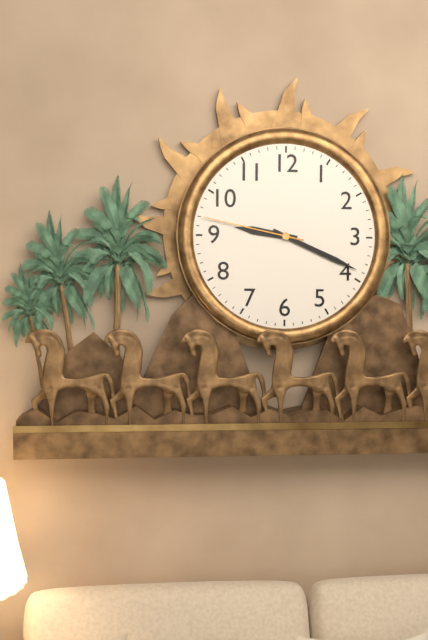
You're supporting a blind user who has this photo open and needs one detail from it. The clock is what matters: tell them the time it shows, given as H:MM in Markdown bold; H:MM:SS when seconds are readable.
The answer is **9:19:47**
